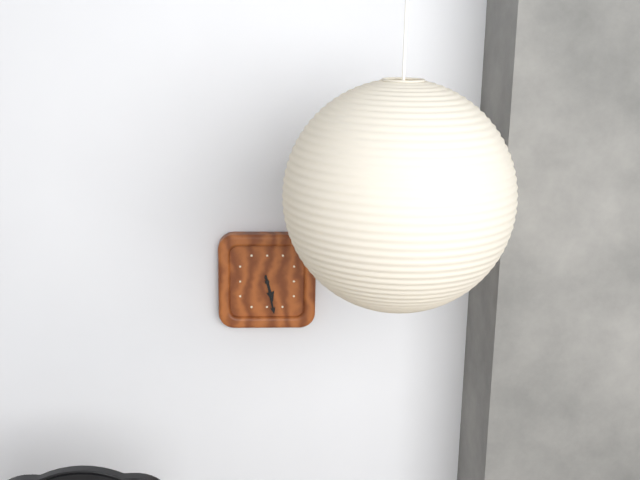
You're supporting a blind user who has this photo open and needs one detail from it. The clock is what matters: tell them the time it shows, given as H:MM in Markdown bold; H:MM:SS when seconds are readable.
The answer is **5:28**
